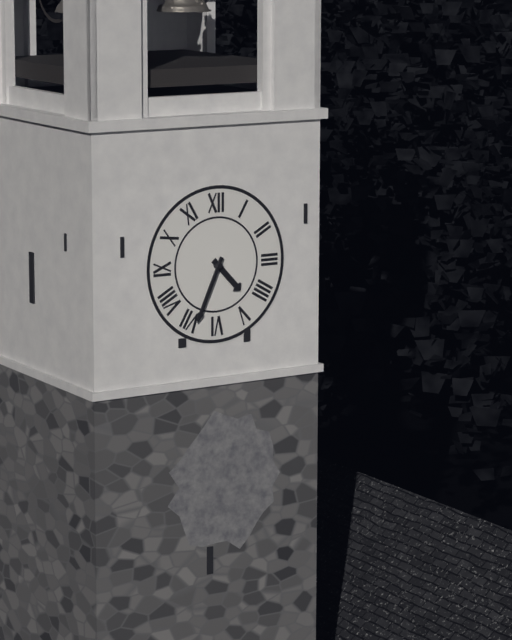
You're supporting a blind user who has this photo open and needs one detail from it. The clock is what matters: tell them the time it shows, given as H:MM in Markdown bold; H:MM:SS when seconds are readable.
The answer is **4:34**
